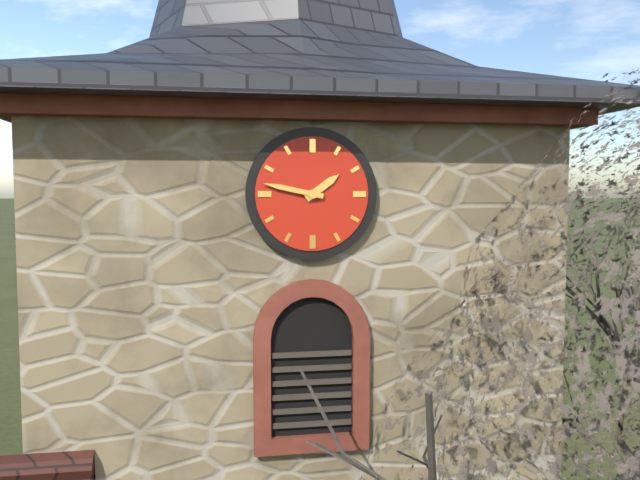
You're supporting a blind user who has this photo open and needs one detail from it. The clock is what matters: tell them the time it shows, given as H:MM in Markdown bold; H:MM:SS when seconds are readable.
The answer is **1:47**
